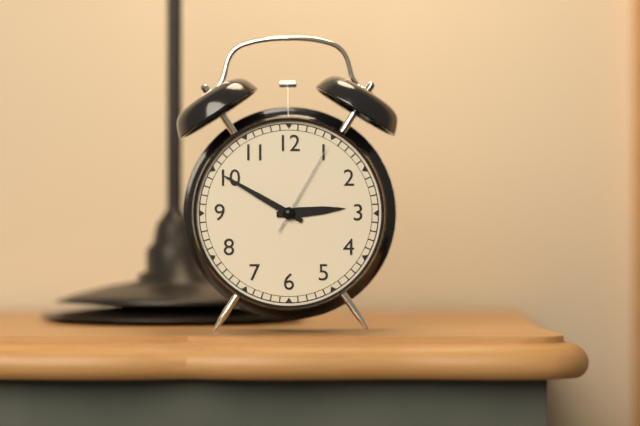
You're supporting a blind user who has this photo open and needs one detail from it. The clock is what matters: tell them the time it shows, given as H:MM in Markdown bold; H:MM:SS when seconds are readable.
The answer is **2:50:05**
